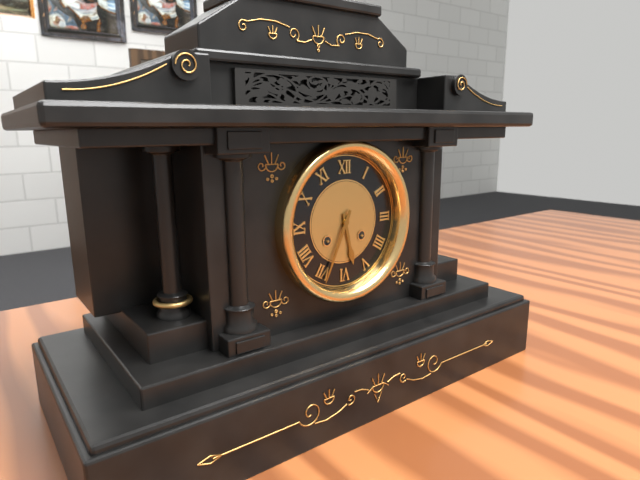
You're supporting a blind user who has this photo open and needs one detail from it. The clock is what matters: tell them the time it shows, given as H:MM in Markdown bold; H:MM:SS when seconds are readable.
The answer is **5:34**
